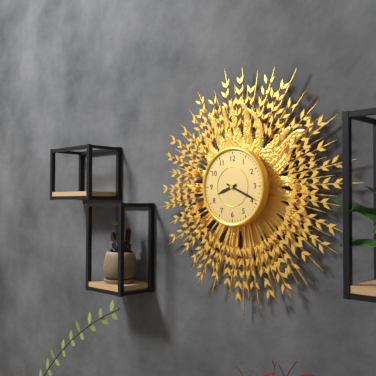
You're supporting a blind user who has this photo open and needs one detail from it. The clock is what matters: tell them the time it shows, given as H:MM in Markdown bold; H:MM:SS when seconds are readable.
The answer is **8:19**
